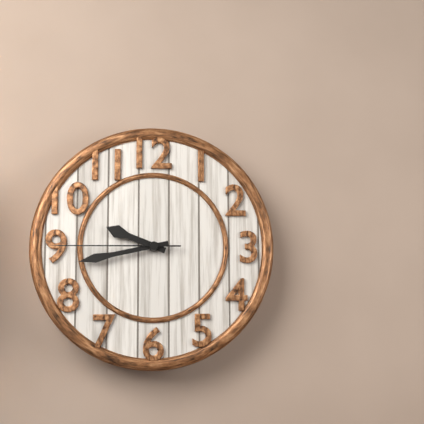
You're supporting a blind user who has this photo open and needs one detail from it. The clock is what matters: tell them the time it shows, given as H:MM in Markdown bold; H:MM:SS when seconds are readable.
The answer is **9:43:45**
